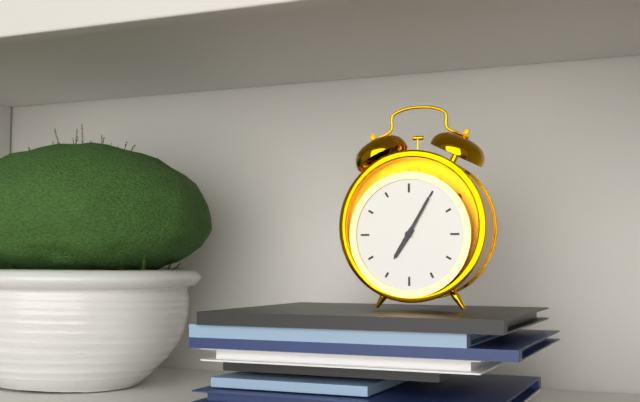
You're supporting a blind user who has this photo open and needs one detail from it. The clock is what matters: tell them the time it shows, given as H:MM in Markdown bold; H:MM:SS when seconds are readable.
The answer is **7:05**
